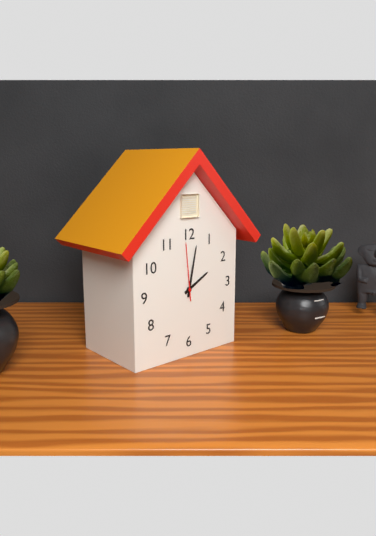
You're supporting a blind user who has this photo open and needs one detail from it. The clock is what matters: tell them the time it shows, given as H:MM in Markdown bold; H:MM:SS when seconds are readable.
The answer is **2:02:59**
